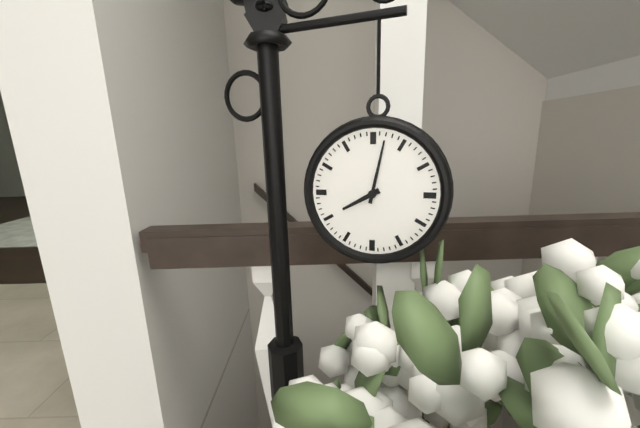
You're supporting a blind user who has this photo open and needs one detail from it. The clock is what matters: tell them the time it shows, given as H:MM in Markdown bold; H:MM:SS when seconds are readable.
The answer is **8:02**
